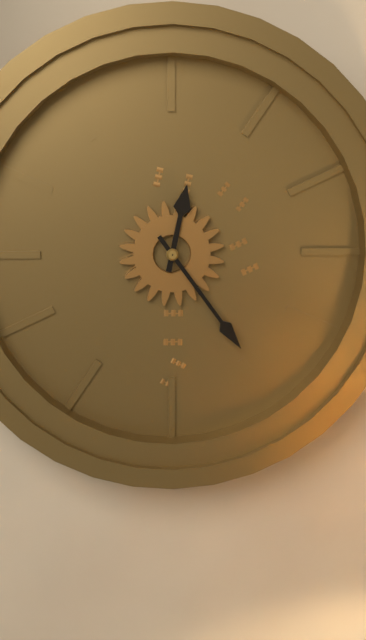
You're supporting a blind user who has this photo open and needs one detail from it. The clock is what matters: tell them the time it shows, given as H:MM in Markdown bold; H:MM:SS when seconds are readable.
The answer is **12:24**
